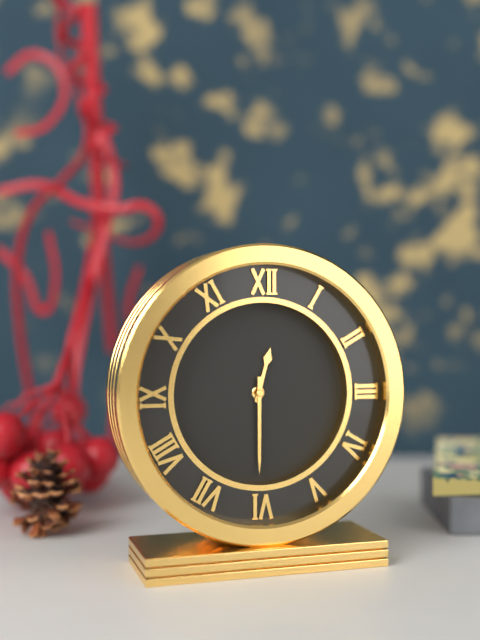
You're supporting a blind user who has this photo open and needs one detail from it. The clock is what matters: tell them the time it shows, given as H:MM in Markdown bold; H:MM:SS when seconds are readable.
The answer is **12:30**
